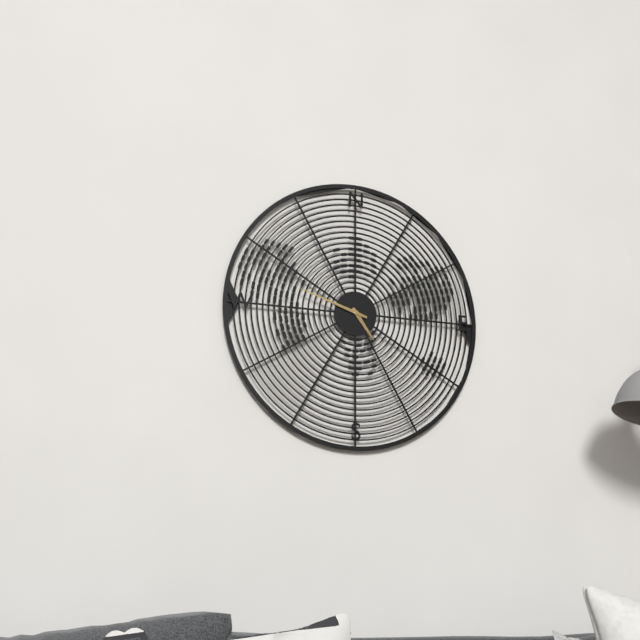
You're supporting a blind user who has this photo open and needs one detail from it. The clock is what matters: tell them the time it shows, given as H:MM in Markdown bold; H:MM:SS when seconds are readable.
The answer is **4:48**
